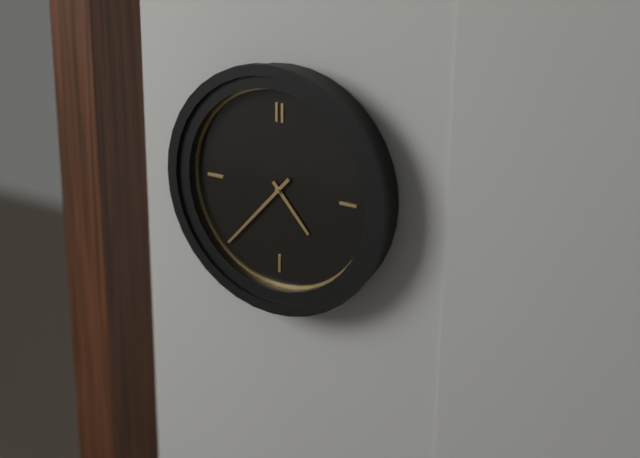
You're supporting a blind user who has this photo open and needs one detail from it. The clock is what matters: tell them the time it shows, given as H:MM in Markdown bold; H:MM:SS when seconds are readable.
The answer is **4:37**
